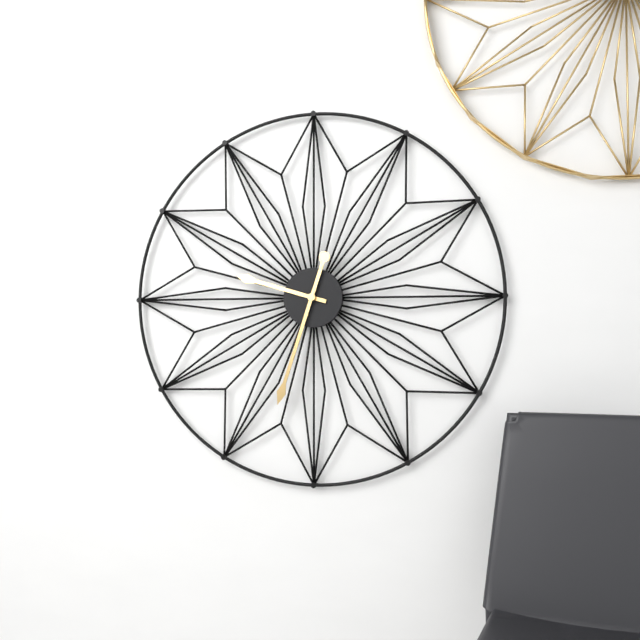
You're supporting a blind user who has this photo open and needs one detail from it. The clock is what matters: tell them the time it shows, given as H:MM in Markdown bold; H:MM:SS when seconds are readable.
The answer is **9:33**
